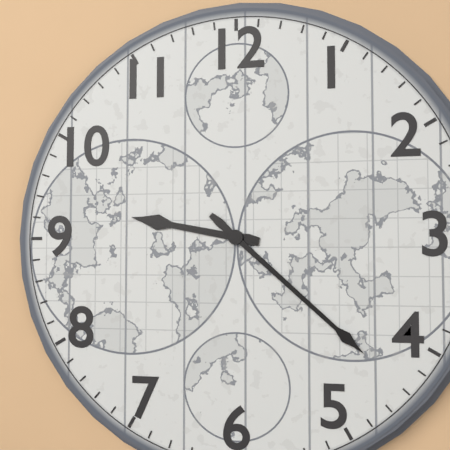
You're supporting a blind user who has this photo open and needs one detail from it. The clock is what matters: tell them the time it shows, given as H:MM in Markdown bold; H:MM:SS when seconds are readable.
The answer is **9:22**
